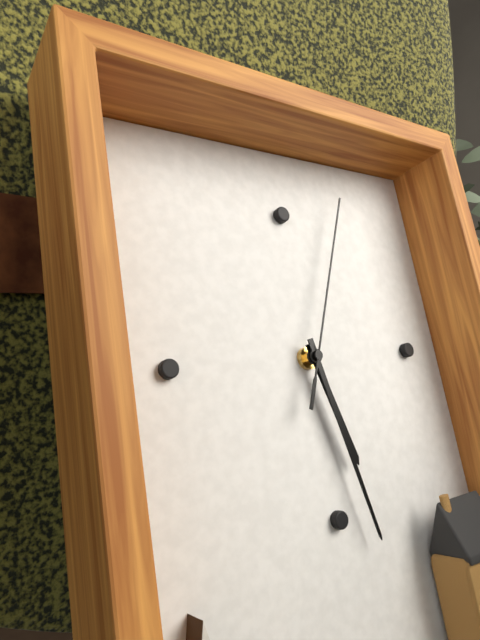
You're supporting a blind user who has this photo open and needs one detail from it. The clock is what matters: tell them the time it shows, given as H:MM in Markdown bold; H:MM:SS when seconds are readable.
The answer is **5:28:04**
